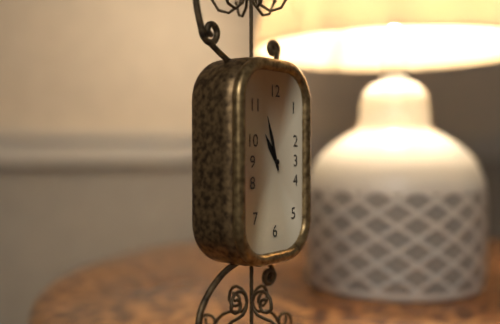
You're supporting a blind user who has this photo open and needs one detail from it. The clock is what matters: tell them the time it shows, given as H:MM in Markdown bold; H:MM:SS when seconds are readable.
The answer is **10:57**
